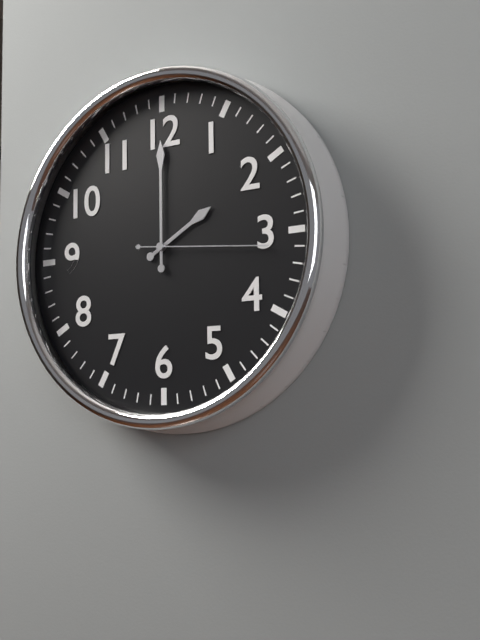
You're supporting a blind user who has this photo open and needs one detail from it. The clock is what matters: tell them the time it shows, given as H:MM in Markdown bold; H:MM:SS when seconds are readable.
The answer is **2:00:16**
